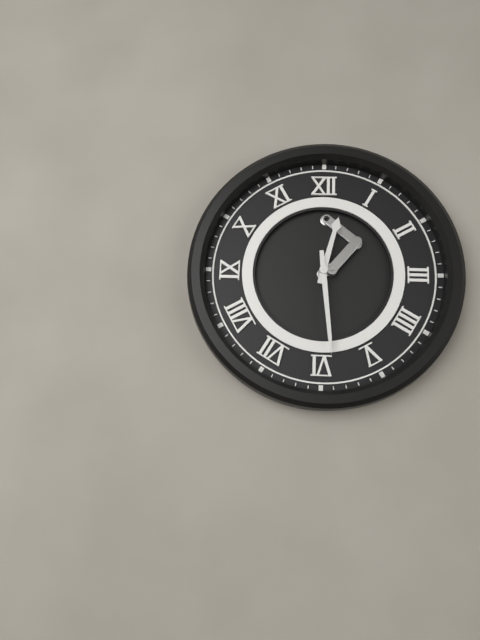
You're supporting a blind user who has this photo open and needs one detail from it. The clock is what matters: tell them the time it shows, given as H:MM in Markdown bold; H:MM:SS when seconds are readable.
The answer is **12:29**
